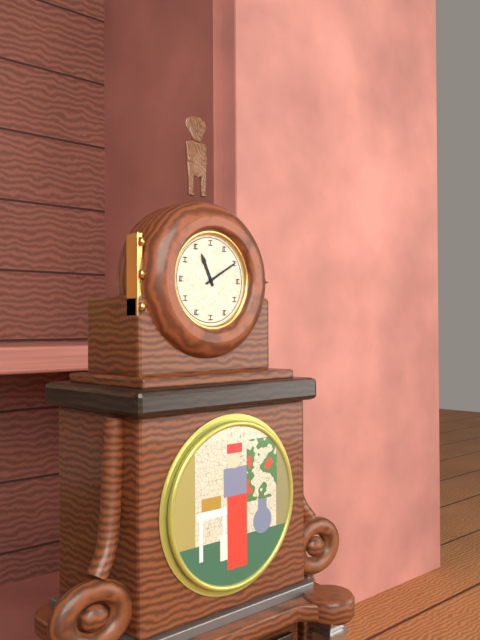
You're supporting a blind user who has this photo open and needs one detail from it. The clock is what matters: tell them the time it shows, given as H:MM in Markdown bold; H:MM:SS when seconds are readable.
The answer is **11:10**
